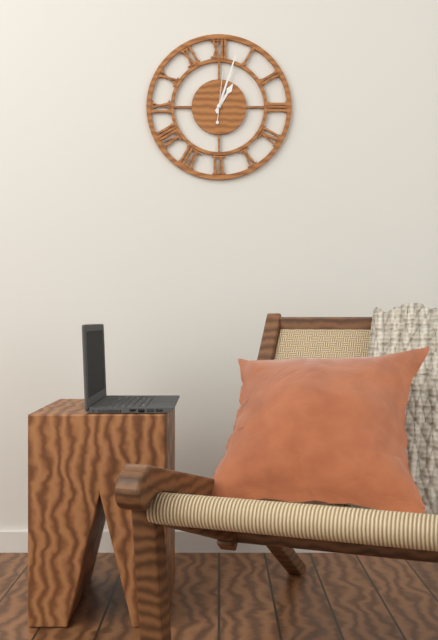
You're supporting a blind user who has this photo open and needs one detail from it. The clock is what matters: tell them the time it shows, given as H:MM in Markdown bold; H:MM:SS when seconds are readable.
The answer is **1:03**
